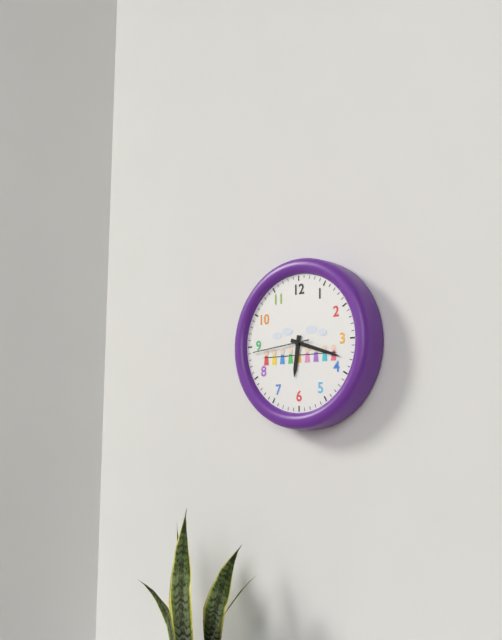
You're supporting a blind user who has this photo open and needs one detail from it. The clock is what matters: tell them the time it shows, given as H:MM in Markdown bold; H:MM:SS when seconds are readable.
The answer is **6:18:44**
